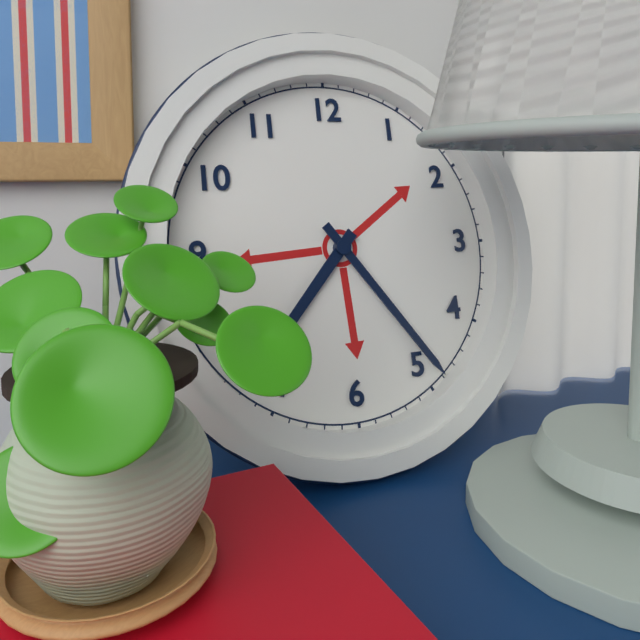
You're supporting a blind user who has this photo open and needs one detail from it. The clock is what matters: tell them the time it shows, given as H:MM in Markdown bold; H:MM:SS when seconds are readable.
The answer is **7:24**
